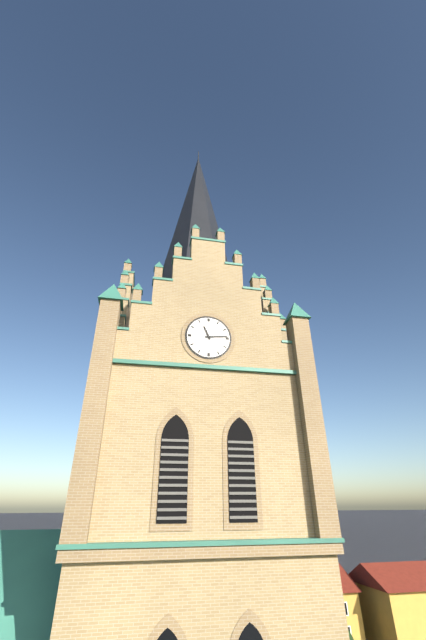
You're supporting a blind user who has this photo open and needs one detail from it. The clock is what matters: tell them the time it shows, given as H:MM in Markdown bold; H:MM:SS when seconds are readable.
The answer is **11:14**
